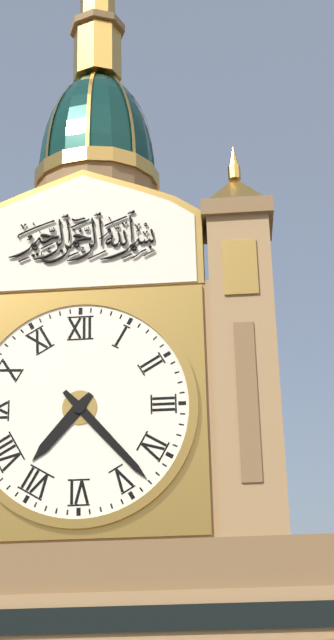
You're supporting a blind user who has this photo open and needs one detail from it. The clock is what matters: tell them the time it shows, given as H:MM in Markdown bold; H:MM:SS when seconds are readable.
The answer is **7:23**
